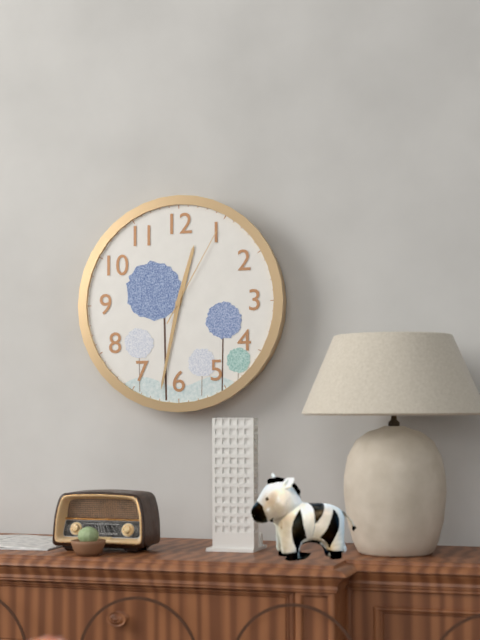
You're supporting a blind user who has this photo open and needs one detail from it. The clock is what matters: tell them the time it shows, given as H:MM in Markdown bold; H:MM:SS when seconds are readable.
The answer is **12:32:05**
